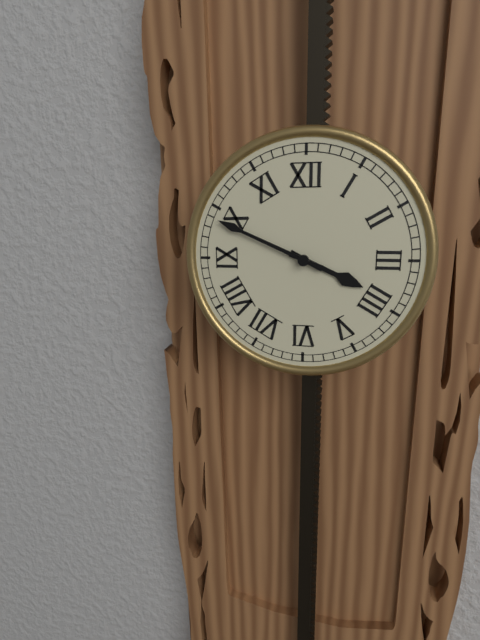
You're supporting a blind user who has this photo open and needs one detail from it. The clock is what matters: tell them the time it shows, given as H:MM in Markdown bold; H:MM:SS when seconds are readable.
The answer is **3:49**
